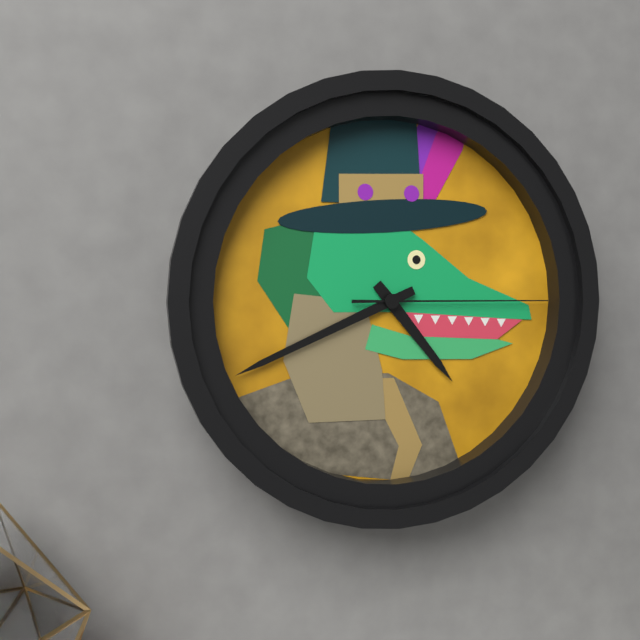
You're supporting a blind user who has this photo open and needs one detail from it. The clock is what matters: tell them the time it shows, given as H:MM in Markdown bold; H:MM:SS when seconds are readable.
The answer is **4:41:15**
